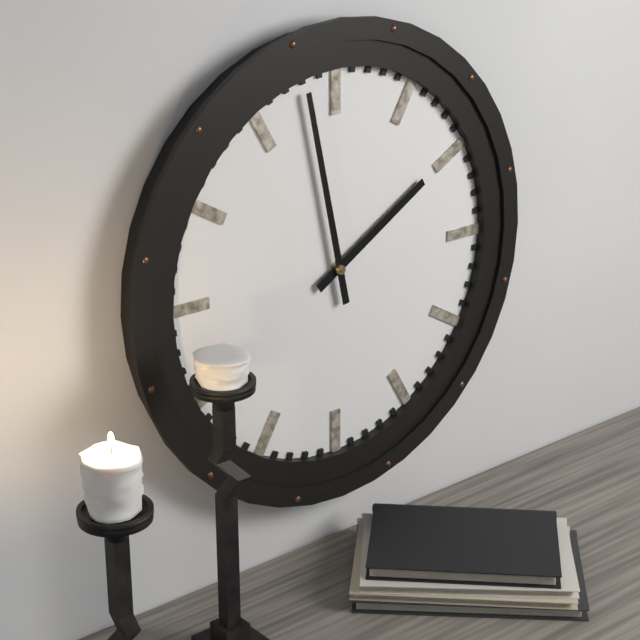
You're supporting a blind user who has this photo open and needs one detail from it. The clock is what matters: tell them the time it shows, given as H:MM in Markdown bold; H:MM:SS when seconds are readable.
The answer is **1:58**
